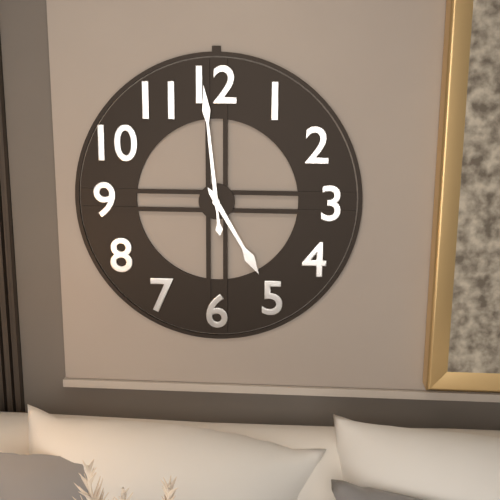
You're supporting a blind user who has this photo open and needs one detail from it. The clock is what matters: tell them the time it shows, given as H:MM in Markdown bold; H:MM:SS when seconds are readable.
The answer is **4:59**
